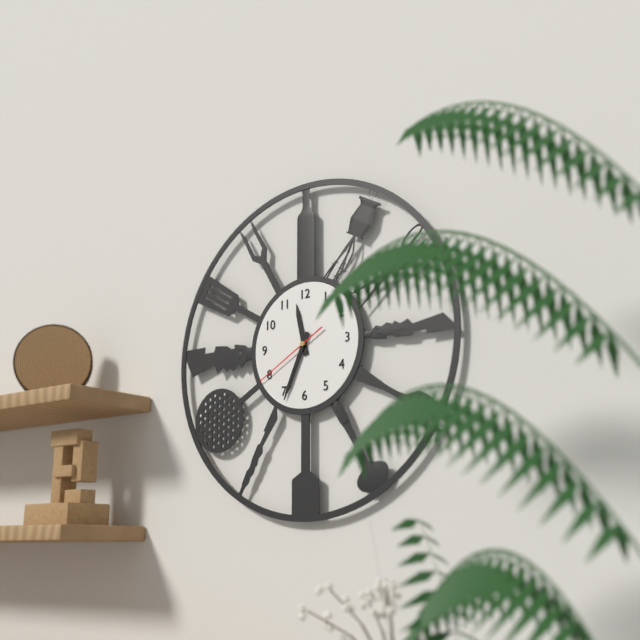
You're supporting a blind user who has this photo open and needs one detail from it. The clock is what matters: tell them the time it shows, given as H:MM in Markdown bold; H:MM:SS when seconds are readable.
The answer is **11:34:40**
